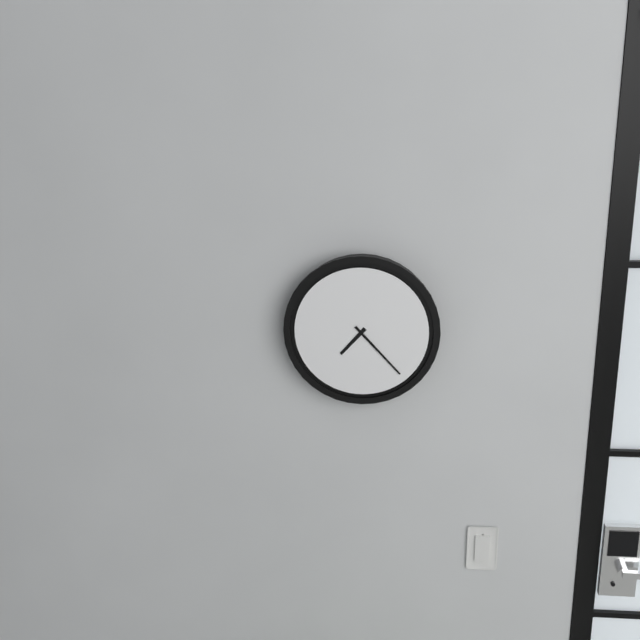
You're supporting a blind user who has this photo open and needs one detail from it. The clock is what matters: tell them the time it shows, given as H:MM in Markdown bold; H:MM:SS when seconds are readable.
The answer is **7:23**
